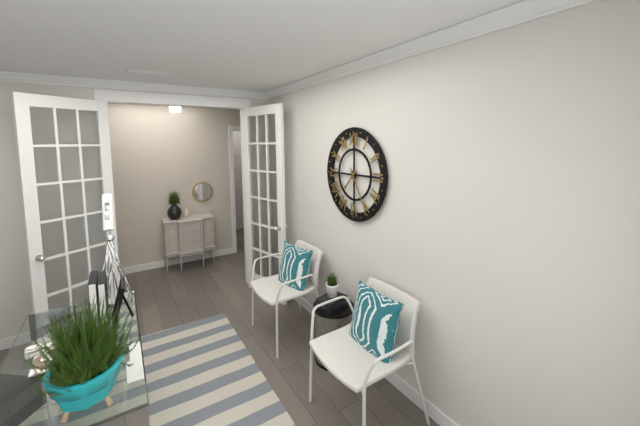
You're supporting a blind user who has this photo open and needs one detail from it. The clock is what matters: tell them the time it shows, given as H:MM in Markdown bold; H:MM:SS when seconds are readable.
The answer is **7:25**
